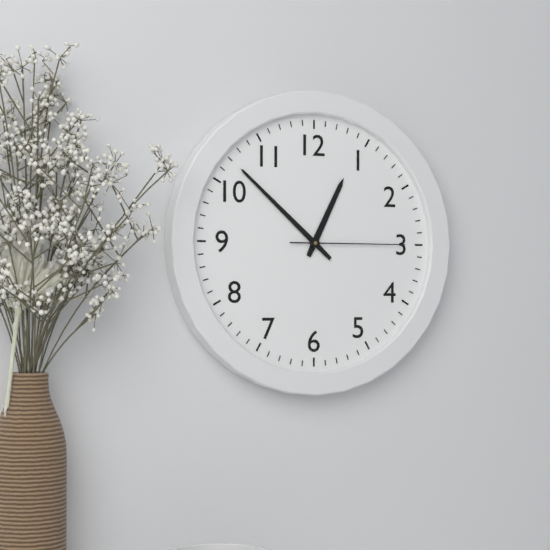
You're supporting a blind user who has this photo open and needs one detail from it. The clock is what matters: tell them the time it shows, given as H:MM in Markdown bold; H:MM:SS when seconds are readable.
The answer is **12:52:15**
